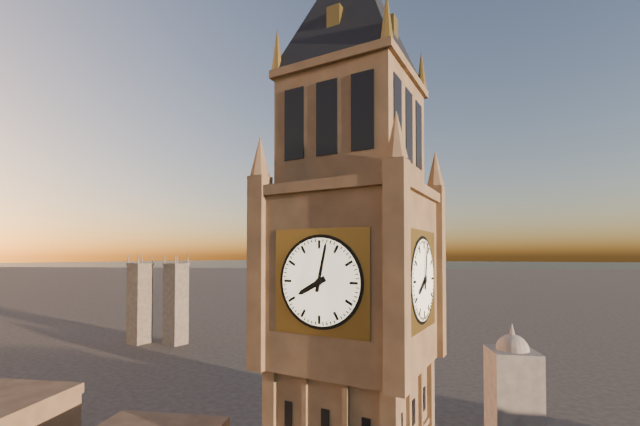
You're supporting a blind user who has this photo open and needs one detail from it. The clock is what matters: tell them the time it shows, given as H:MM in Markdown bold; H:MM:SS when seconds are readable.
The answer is **8:02**
